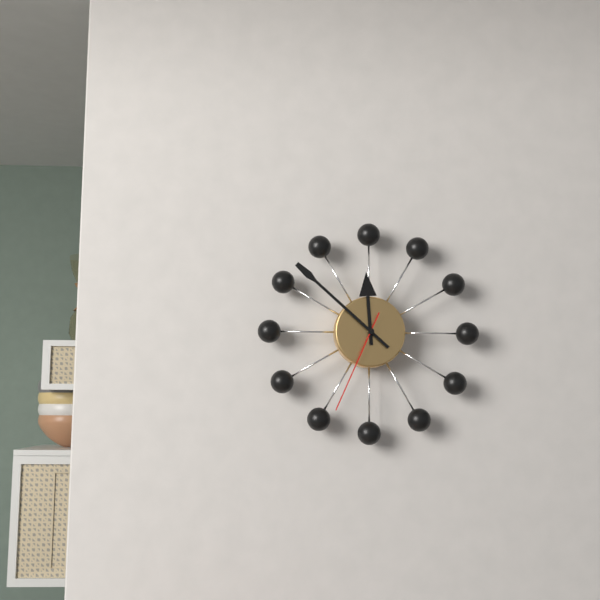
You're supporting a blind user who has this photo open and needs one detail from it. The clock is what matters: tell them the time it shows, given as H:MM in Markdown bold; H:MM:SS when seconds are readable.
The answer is **11:52:34**
